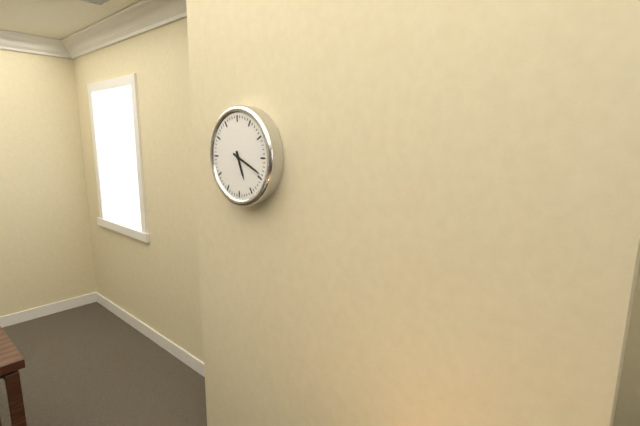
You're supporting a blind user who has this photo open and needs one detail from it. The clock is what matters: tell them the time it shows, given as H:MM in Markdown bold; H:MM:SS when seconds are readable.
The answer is **5:19**
